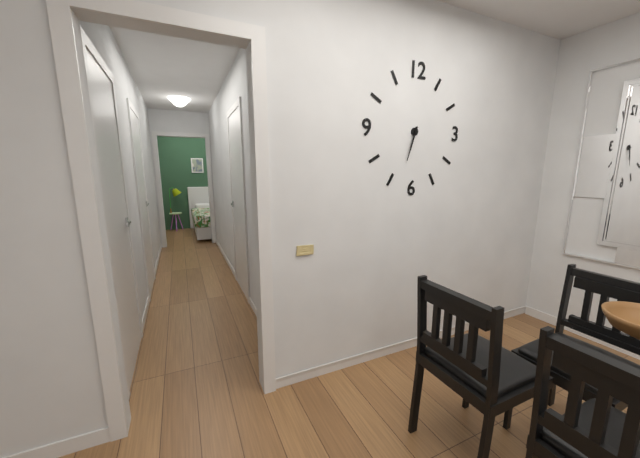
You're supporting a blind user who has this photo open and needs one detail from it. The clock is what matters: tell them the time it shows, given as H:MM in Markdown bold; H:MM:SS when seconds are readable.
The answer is **6:33**
